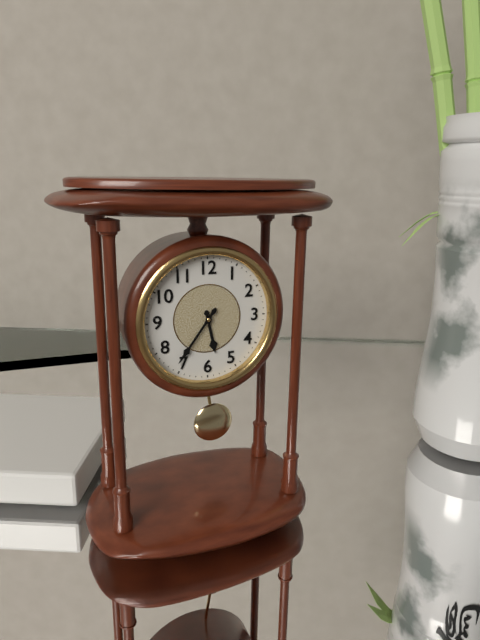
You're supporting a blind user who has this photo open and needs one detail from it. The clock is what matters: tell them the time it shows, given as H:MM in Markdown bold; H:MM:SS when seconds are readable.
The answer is **5:36**
